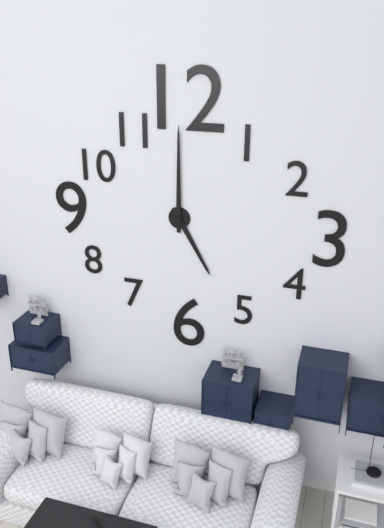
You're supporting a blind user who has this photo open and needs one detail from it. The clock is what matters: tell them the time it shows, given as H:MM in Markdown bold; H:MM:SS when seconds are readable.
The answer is **5:00**
